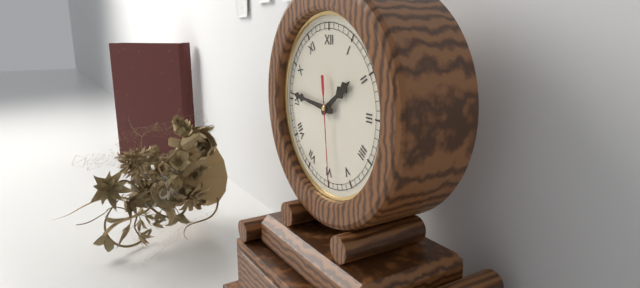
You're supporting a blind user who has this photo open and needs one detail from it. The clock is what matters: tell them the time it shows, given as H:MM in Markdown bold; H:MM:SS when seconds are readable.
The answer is **1:46:29**
